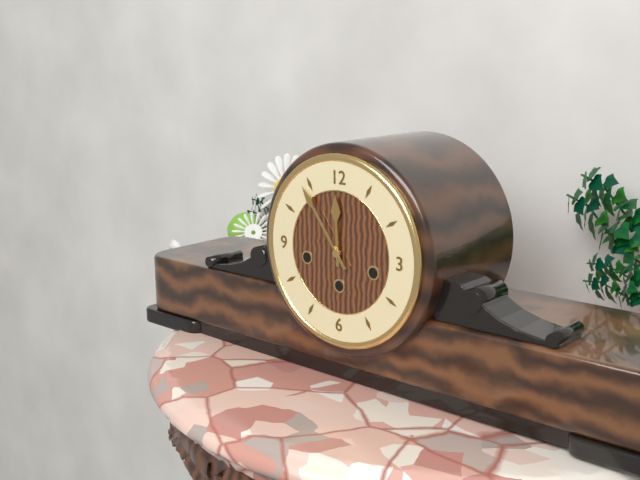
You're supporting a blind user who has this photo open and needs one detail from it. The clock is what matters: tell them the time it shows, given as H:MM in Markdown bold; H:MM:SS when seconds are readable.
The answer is **11:54**
